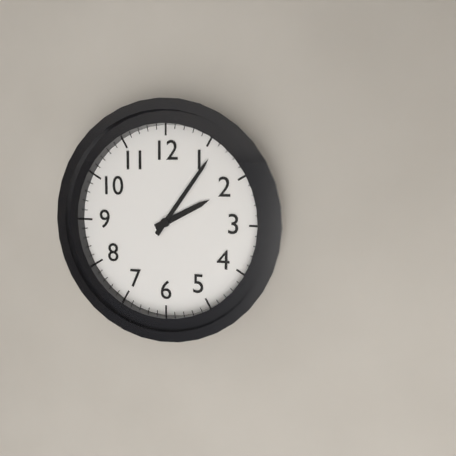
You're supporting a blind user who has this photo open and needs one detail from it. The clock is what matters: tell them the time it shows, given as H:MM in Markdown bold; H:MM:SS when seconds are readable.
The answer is **2:06**
